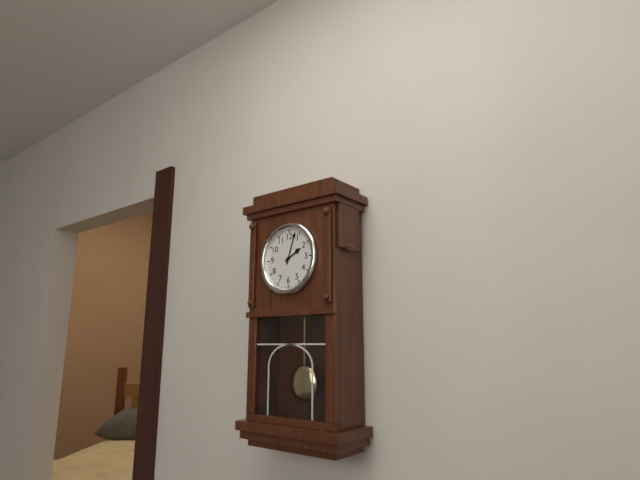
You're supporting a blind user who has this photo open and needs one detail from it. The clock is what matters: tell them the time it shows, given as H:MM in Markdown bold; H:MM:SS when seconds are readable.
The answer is **2:03**
